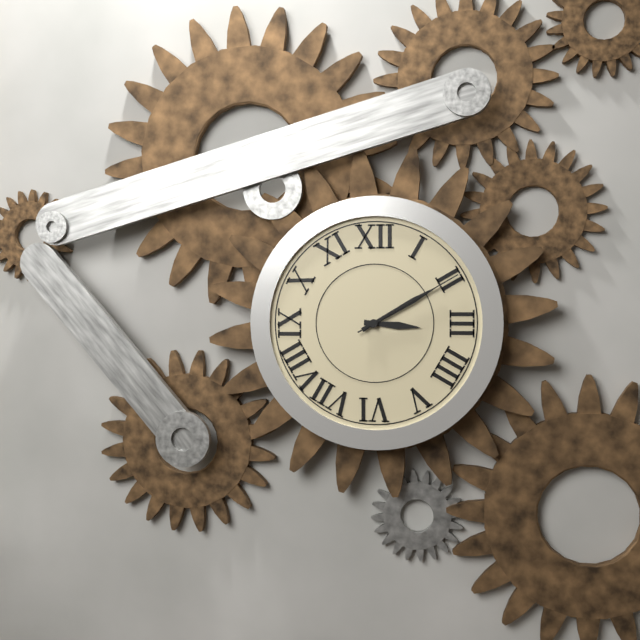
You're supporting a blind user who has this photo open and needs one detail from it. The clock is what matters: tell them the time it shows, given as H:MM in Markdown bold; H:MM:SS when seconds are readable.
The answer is **3:10:10**
